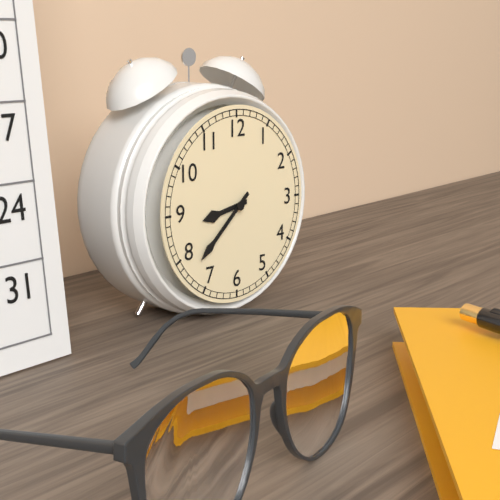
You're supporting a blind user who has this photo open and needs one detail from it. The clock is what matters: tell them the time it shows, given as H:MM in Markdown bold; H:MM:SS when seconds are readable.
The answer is **8:38**
